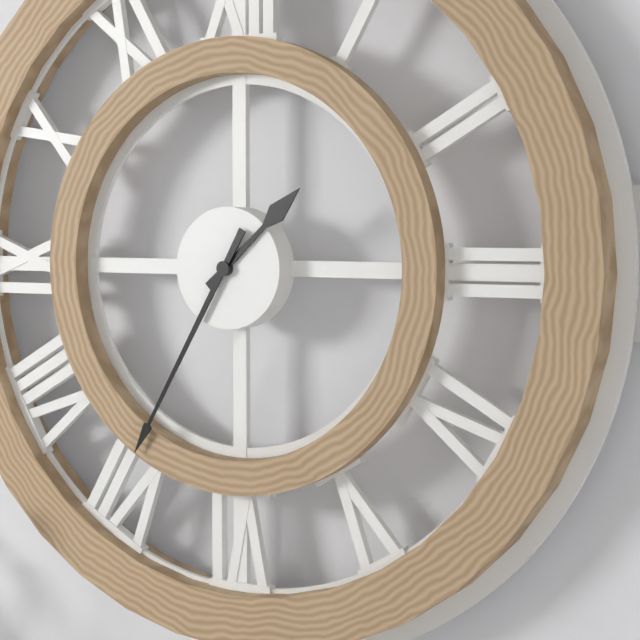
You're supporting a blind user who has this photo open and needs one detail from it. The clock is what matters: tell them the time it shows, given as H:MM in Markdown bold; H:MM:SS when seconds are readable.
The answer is **1:35**
